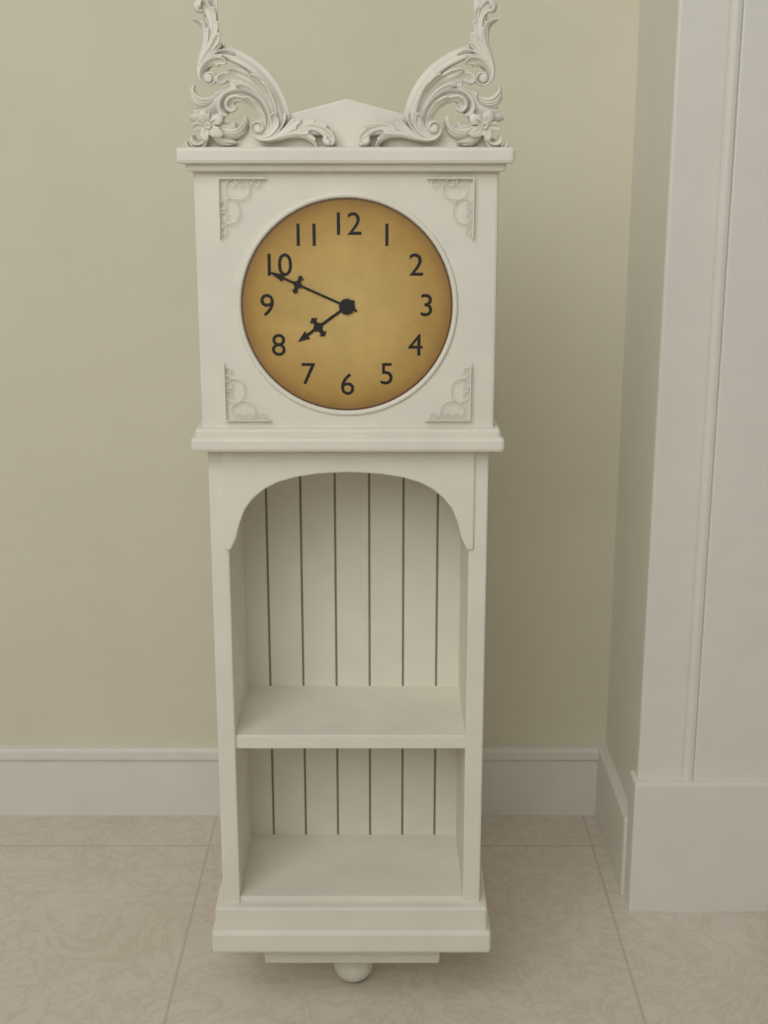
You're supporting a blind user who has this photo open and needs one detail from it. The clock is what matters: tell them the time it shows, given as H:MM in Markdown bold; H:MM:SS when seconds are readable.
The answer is **7:49**
